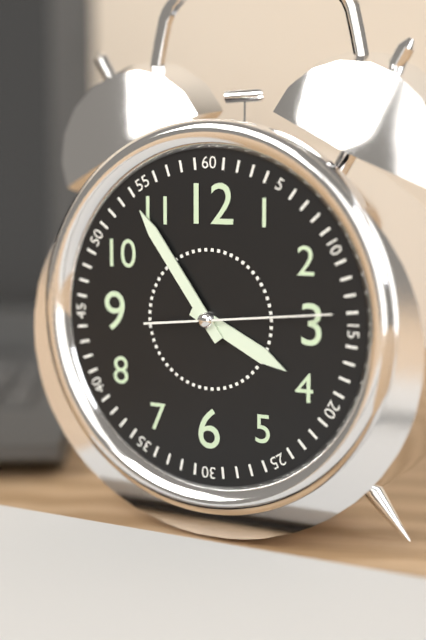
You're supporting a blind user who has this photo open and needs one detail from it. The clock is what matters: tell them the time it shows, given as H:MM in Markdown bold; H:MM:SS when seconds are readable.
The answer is **3:54:14**
